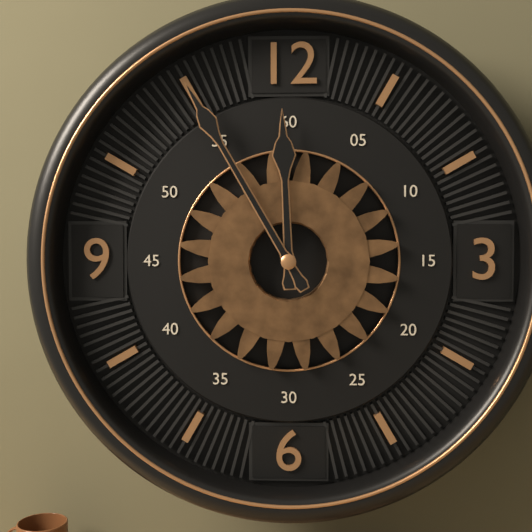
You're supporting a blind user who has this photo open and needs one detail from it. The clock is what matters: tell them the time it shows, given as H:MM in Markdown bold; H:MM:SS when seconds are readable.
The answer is **11:55**
